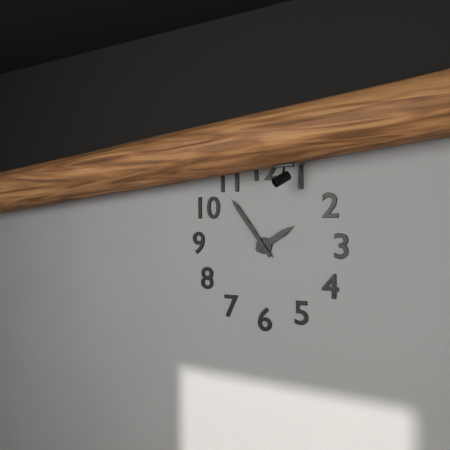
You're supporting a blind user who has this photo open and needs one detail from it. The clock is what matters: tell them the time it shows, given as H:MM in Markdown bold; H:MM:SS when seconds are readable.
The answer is **1:54**
